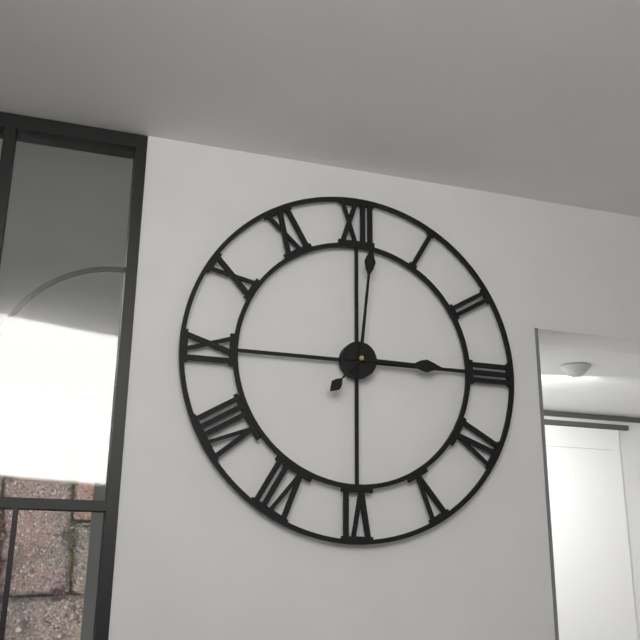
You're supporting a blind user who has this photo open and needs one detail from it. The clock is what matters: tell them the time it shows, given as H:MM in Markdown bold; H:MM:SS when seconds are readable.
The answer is **3:01**
